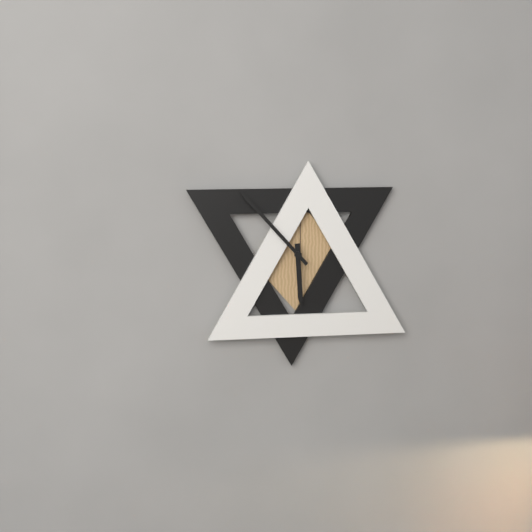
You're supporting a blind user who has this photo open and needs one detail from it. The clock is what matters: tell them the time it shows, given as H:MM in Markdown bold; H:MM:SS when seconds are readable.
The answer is **5:53**
